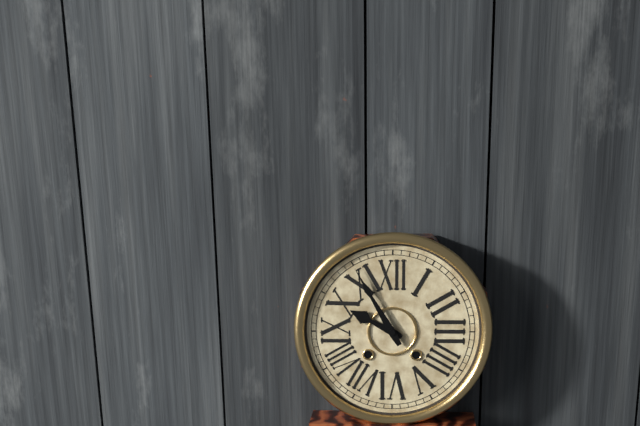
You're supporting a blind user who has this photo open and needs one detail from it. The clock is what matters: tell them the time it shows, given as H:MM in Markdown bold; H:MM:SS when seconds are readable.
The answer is **9:55**
